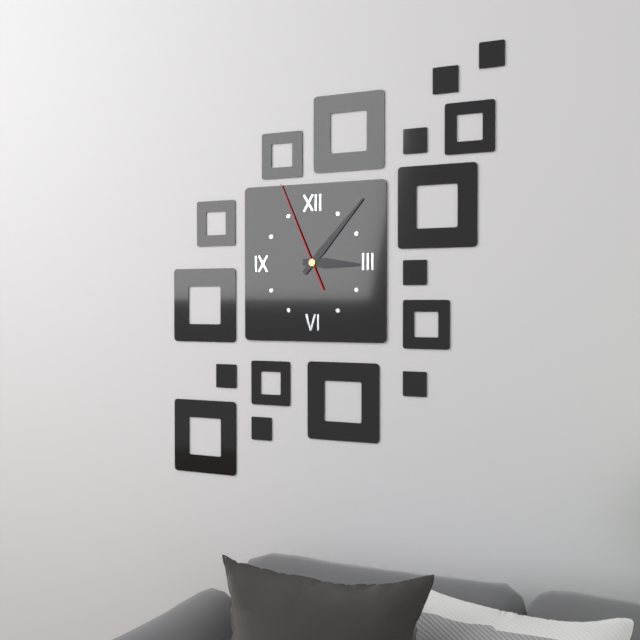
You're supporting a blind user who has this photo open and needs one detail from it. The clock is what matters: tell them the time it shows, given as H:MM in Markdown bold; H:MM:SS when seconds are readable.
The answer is **3:07:56**
